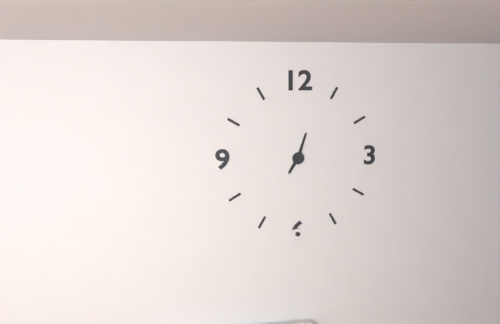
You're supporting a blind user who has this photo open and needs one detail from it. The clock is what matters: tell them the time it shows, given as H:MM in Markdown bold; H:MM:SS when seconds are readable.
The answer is **7:03**
